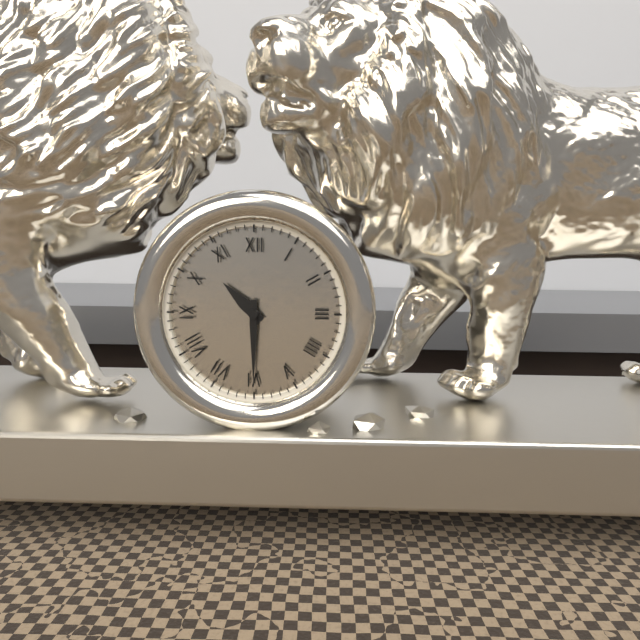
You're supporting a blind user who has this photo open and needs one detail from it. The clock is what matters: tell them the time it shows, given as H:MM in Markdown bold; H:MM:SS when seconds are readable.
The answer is **10:30**
